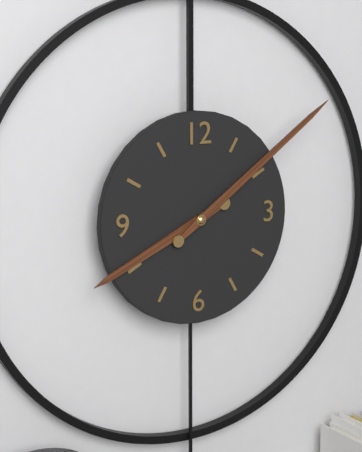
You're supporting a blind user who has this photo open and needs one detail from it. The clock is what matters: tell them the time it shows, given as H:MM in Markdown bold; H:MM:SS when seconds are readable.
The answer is **8:09**
